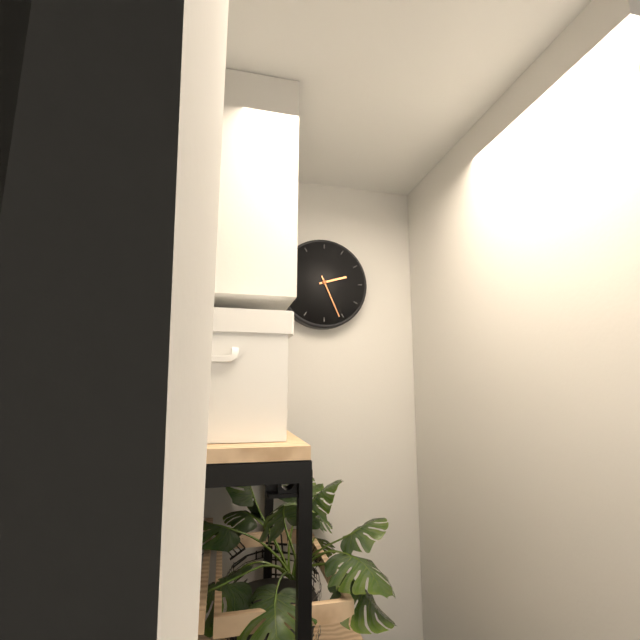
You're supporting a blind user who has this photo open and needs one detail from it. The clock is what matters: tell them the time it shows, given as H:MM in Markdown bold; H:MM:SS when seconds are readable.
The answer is **2:26**
